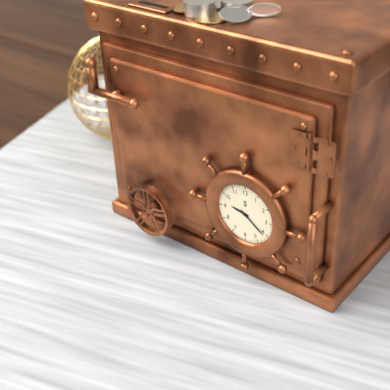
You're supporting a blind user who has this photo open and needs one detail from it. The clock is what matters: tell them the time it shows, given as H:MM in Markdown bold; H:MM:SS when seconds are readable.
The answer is **9:21**
